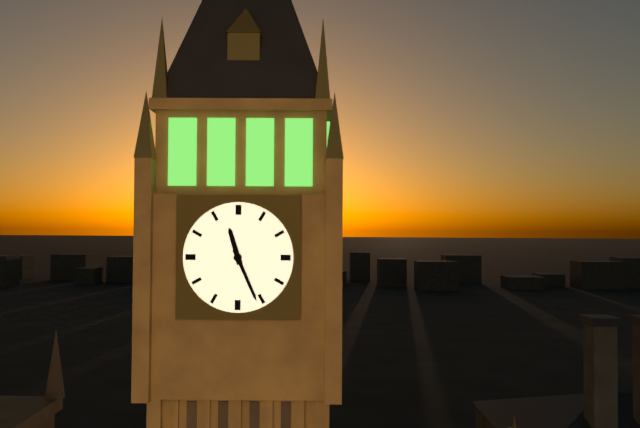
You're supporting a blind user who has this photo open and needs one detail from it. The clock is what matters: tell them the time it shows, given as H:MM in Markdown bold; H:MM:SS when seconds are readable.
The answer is **11:26**
